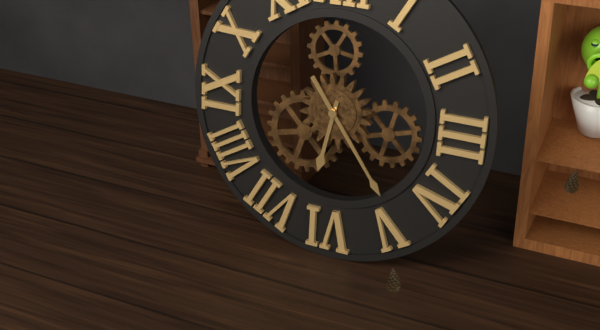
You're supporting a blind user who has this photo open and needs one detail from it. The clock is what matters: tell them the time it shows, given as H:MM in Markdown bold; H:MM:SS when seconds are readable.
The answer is **6:24**
